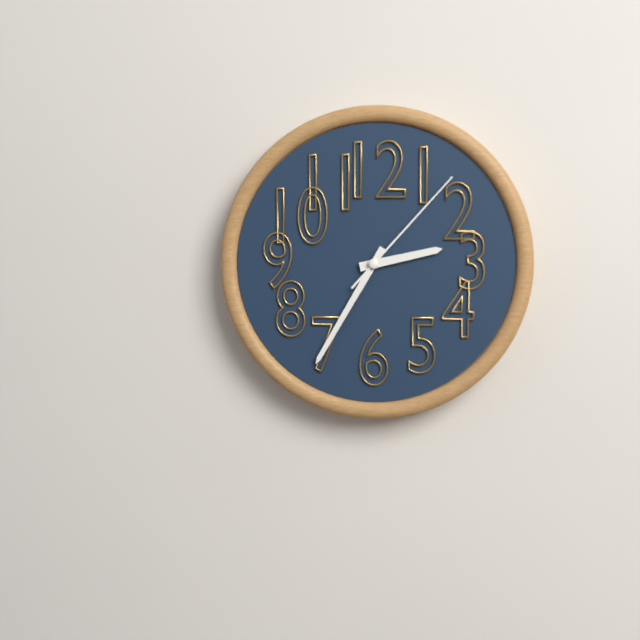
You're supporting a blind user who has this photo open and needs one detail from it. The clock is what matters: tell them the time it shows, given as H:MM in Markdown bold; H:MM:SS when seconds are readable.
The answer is **2:35:07**
